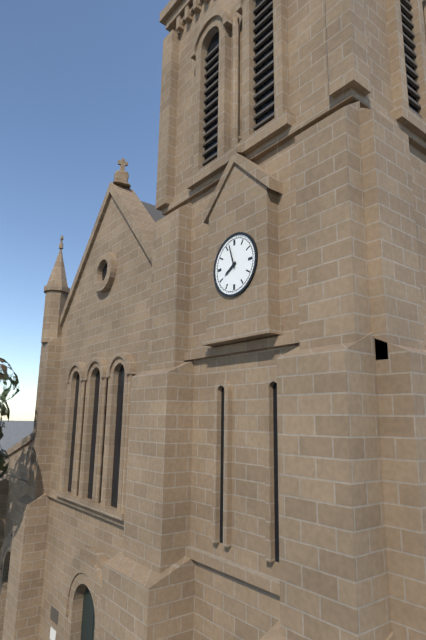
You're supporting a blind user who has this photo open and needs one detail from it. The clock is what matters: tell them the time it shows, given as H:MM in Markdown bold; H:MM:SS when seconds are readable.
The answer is **7:57**
